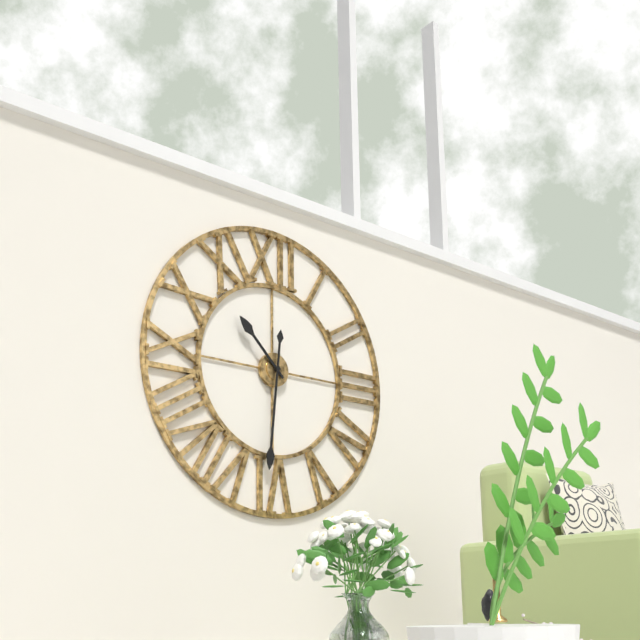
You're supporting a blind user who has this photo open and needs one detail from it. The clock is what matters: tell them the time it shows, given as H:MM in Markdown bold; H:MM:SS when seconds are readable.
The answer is **10:31**
